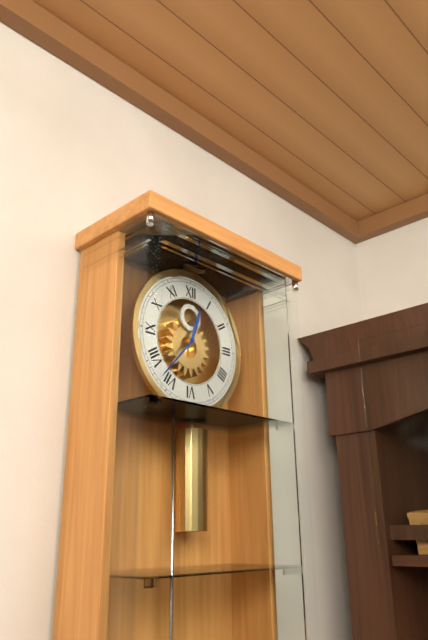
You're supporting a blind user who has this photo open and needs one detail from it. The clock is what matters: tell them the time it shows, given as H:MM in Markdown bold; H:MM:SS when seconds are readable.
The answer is **12:37**
